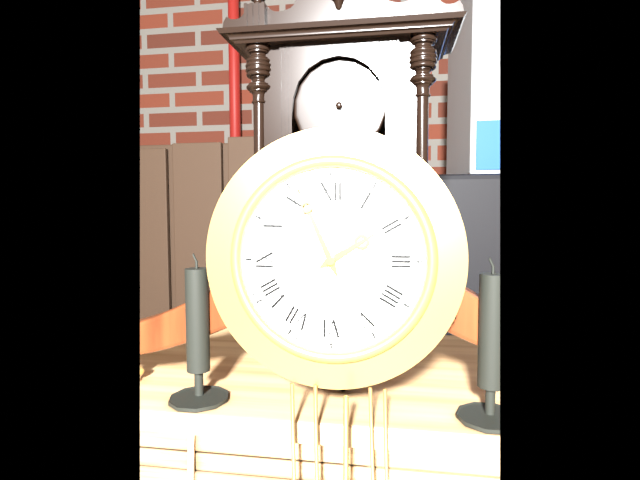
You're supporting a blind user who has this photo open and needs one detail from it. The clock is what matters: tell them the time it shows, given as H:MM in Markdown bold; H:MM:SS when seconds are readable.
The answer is **1:56**
